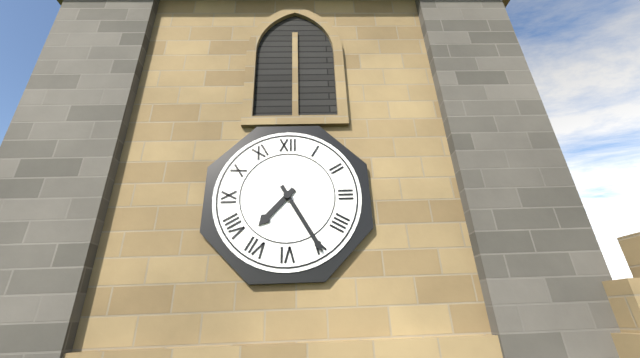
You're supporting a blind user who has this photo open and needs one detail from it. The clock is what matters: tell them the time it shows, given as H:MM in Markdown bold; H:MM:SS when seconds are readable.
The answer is **7:25**
